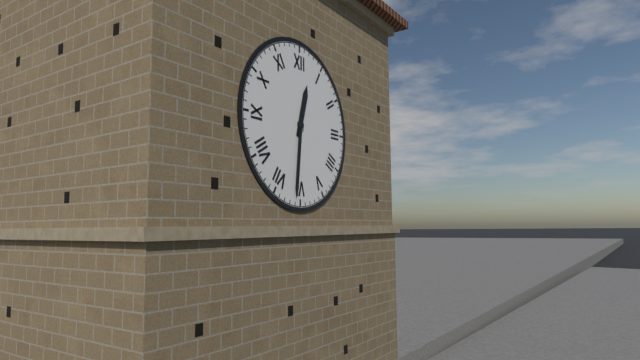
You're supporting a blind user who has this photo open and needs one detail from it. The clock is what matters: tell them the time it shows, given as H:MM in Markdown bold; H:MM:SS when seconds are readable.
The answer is **12:31**
